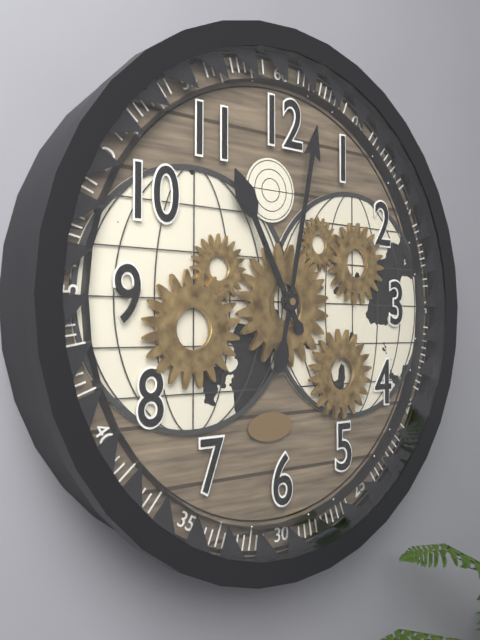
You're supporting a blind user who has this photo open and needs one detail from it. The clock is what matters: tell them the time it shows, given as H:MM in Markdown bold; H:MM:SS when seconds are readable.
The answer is **11:02**
